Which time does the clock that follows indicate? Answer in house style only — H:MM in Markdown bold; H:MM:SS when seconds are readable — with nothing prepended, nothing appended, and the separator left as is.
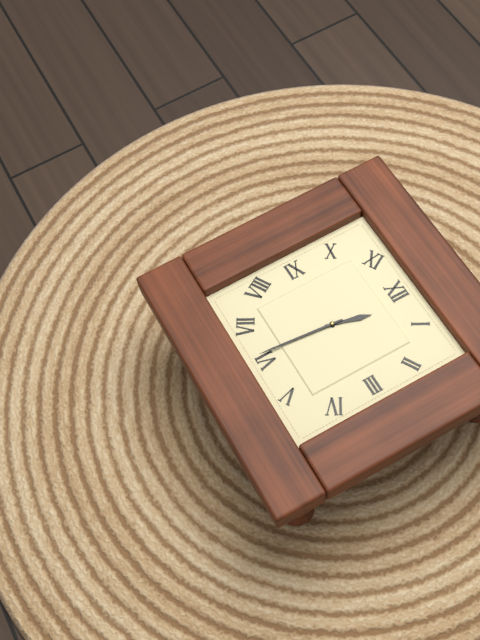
**12:31**
